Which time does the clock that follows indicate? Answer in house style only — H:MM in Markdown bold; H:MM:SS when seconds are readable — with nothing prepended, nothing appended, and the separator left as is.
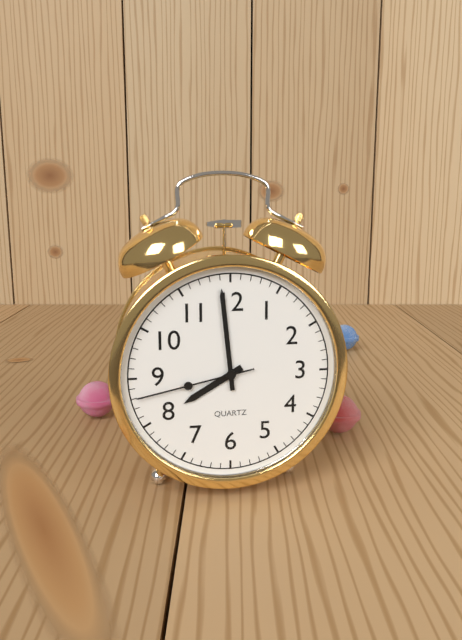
**7:59:43**
